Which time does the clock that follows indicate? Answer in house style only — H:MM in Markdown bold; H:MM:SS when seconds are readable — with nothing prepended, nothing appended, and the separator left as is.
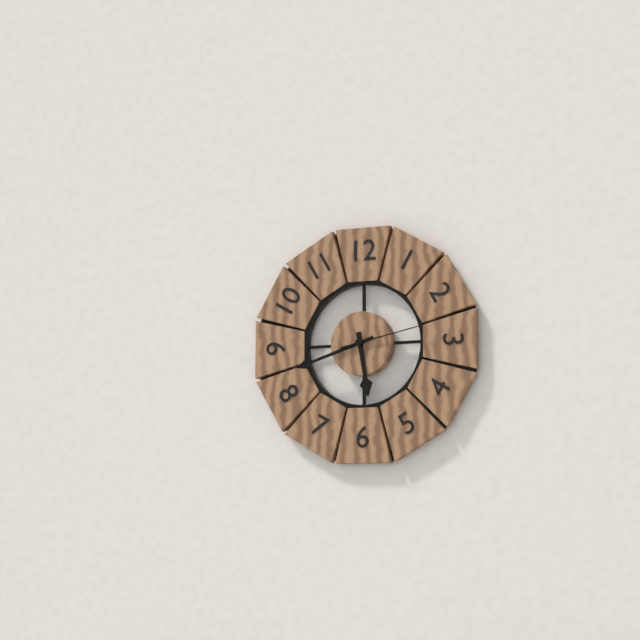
**5:42:13**
